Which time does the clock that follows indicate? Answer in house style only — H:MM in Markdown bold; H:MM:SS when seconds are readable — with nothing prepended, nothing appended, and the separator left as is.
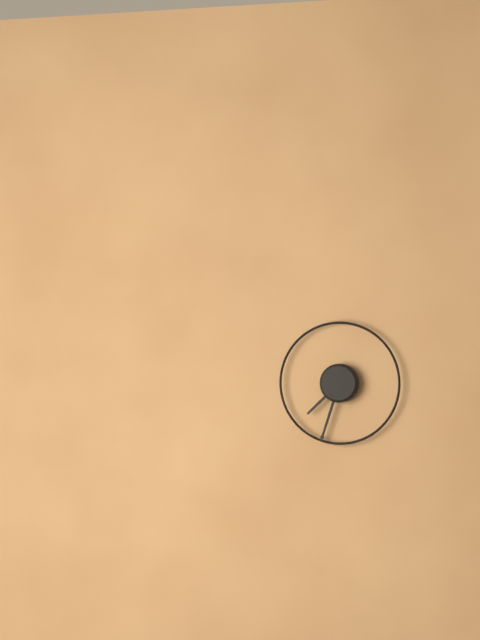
**7:33**
